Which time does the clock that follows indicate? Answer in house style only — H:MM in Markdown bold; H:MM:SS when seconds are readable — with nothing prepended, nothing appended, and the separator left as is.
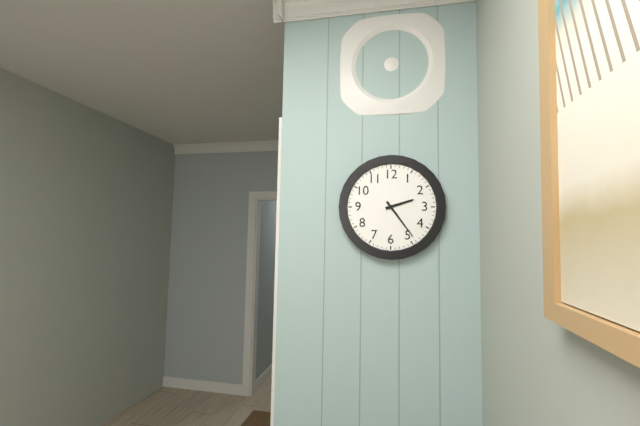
**2:24**
